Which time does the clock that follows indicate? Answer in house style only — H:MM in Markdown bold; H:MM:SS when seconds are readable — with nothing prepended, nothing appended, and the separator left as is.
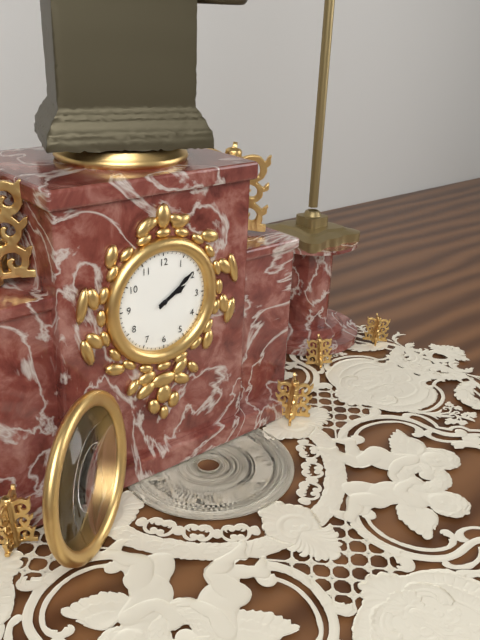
**2:09**
